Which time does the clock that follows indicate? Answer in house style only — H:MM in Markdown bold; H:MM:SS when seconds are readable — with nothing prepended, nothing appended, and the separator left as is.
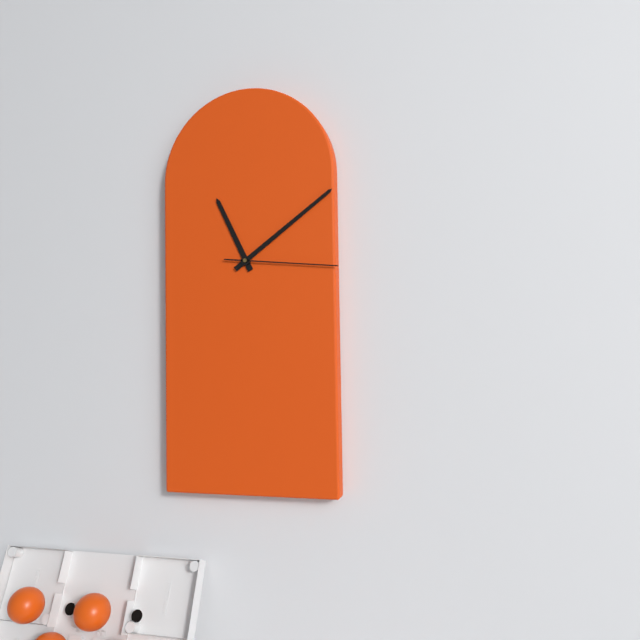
**11:09:16**
